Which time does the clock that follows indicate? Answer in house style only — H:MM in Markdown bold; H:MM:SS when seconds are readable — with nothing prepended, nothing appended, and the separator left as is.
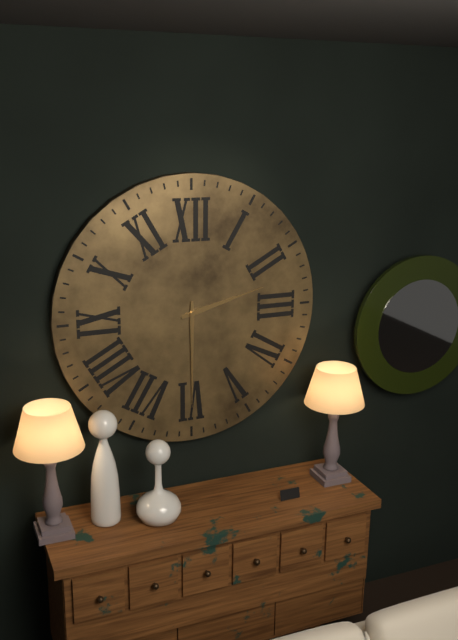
**2:30**
